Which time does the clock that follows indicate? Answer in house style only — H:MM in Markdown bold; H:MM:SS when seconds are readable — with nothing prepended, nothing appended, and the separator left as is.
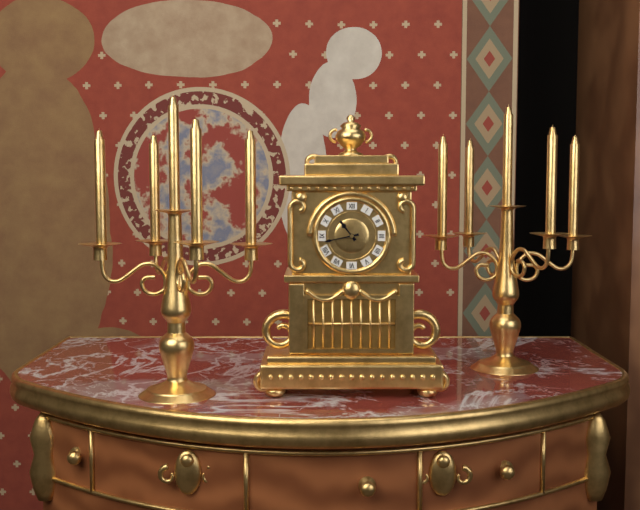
**10:43**
